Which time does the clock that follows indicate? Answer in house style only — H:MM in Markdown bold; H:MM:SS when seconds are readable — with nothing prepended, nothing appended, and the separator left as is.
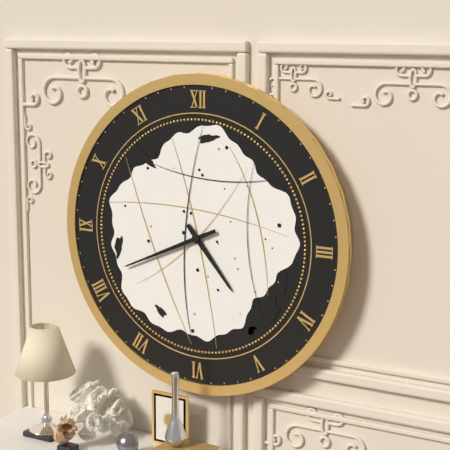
**4:41**
